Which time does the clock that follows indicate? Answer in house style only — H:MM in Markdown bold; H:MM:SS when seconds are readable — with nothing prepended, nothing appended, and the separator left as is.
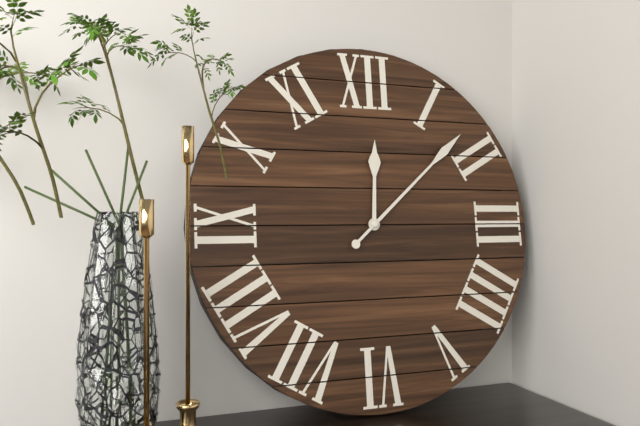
**12:08**
